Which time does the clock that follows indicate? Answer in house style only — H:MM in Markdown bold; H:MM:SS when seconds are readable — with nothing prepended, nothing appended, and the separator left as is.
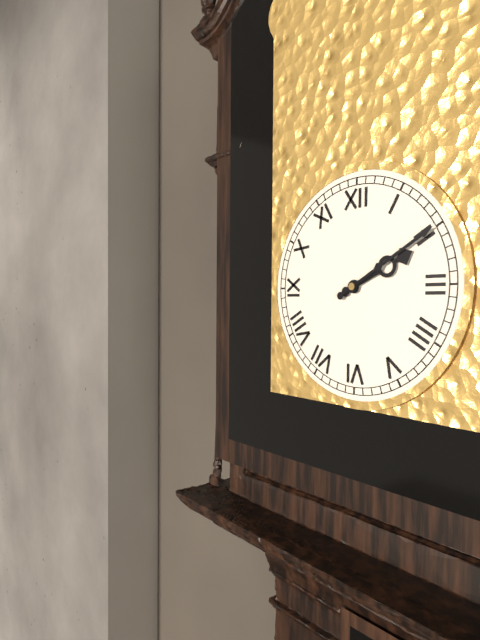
**2:10**
